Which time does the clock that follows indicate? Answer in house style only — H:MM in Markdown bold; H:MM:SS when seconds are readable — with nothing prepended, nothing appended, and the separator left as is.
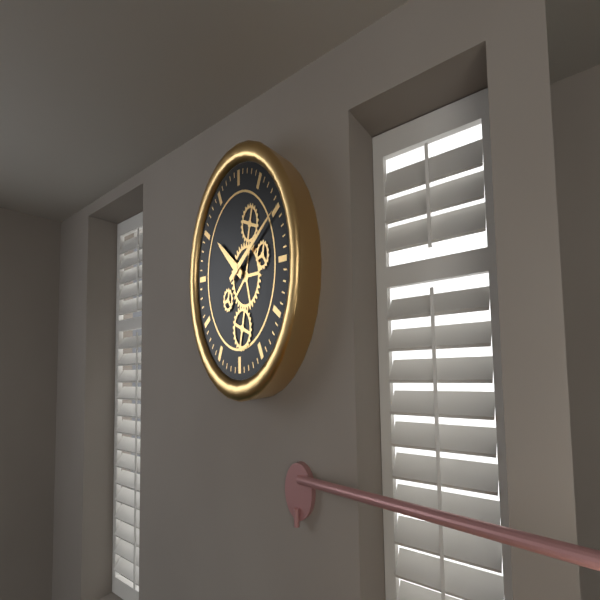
**10:10**
